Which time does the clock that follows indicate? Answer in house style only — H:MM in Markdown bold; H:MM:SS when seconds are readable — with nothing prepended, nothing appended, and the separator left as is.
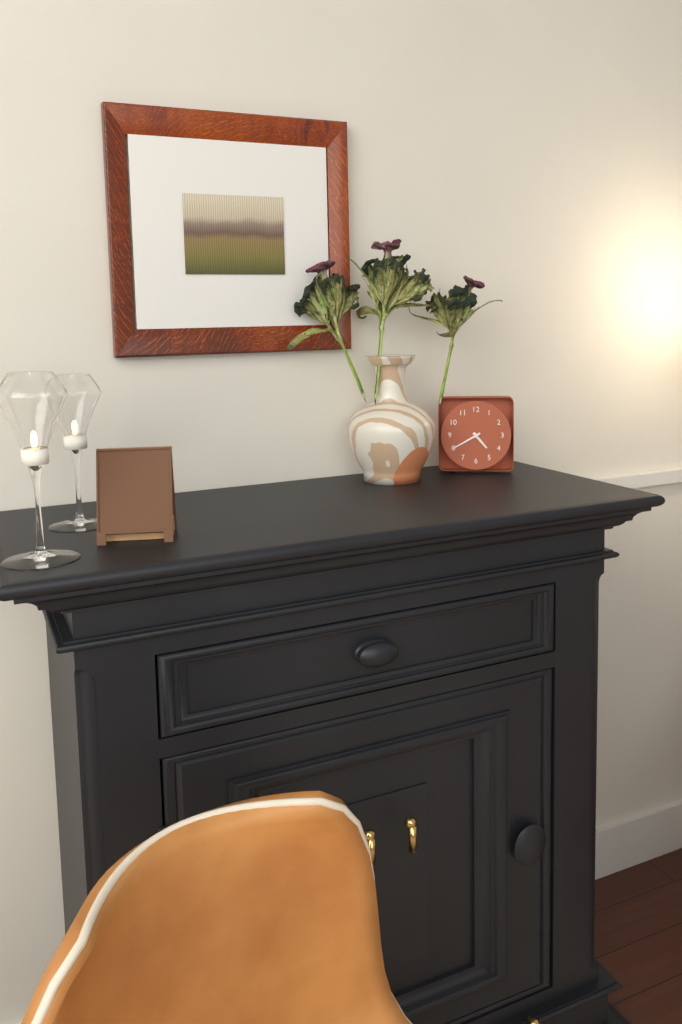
**4:40**
